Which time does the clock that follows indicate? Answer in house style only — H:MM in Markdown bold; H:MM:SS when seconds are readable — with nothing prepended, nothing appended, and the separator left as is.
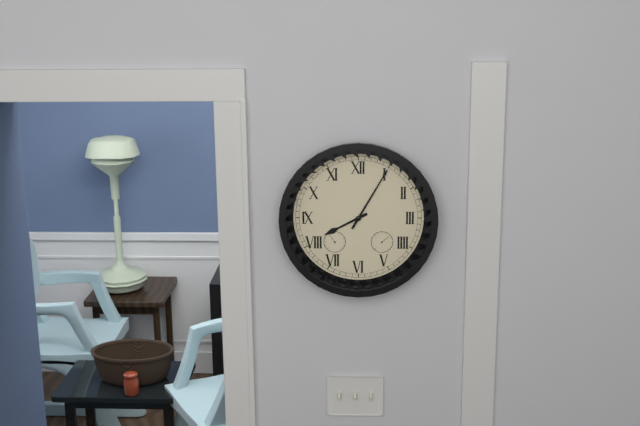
**8:05**
